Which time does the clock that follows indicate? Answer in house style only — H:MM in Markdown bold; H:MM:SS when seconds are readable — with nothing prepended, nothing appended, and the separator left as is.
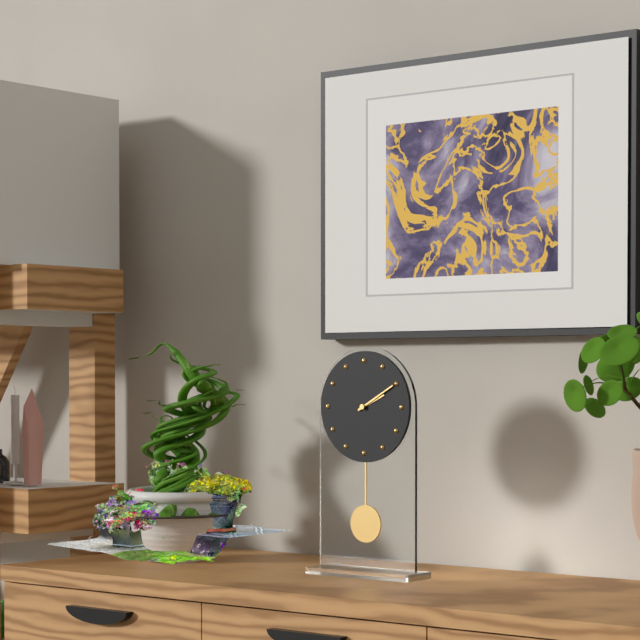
**2:10**
